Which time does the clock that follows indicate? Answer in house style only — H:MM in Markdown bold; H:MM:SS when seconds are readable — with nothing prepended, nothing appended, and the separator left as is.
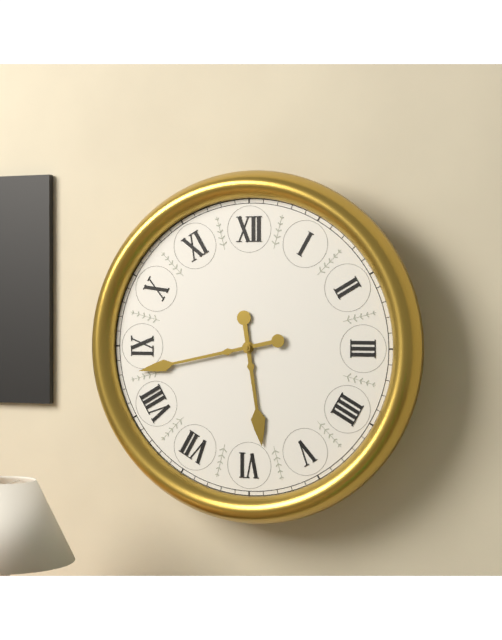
**5:43**
